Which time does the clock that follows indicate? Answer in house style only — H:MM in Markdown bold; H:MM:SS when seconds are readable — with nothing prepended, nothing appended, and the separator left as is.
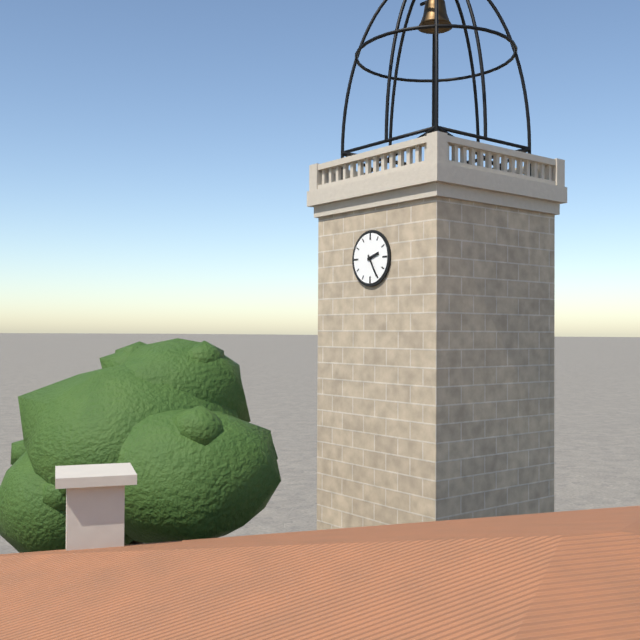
**2:25**
